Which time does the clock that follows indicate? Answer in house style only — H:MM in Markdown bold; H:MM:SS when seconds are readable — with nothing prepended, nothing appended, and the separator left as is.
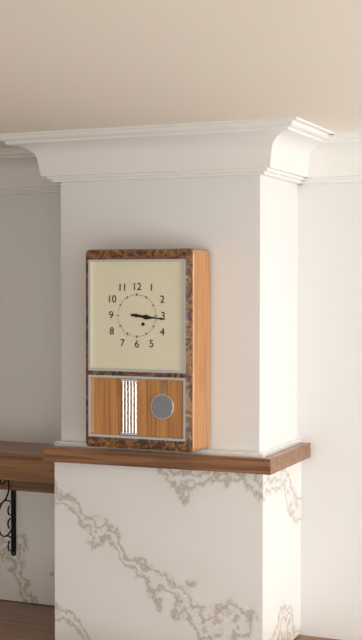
**3:16**
